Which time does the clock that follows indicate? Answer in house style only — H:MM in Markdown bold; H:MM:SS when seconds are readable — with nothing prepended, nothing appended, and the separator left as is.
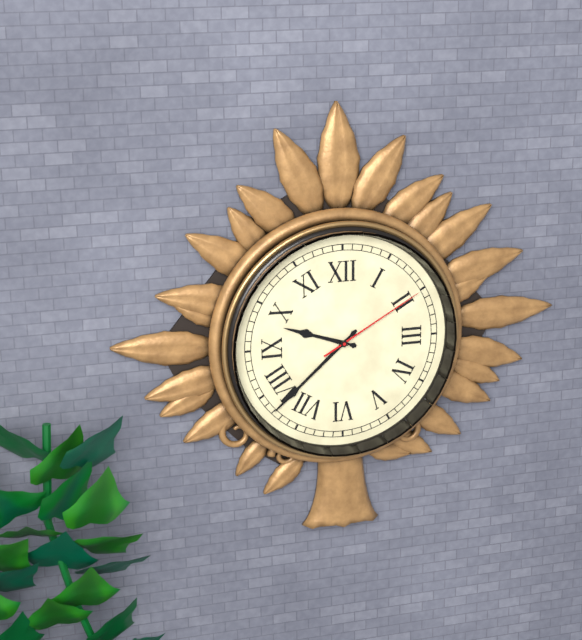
**9:38:10**
